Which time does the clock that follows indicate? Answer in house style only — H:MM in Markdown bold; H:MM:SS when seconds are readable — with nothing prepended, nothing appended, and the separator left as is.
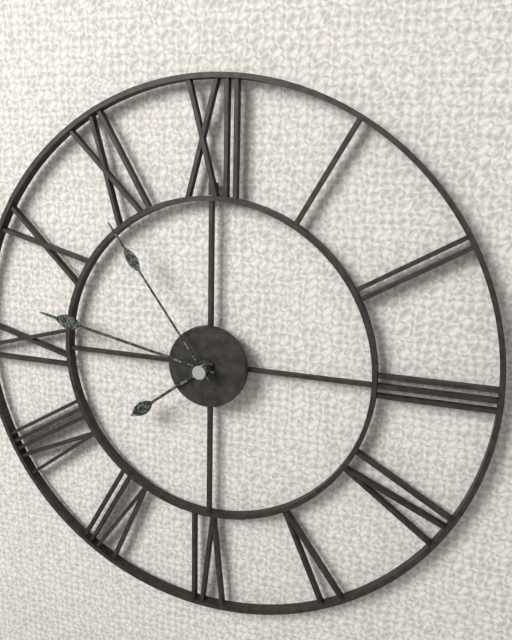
**7:47:54**
